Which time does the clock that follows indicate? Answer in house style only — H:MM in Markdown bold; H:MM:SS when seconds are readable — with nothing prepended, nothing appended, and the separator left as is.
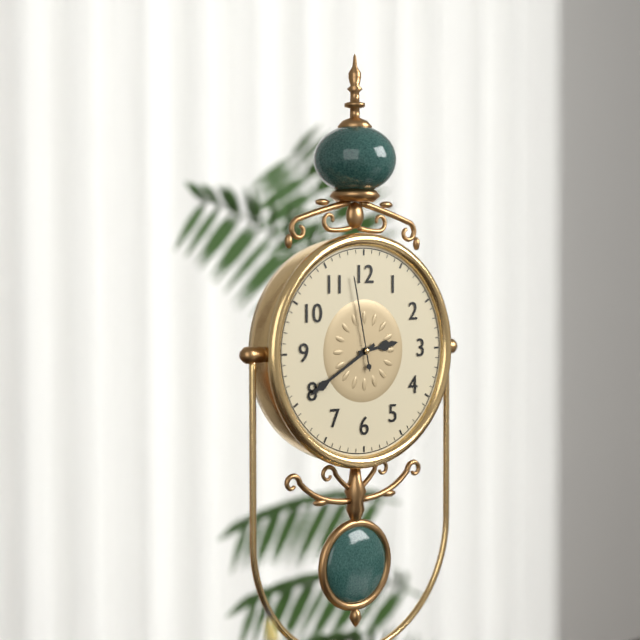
**2:40:58**
